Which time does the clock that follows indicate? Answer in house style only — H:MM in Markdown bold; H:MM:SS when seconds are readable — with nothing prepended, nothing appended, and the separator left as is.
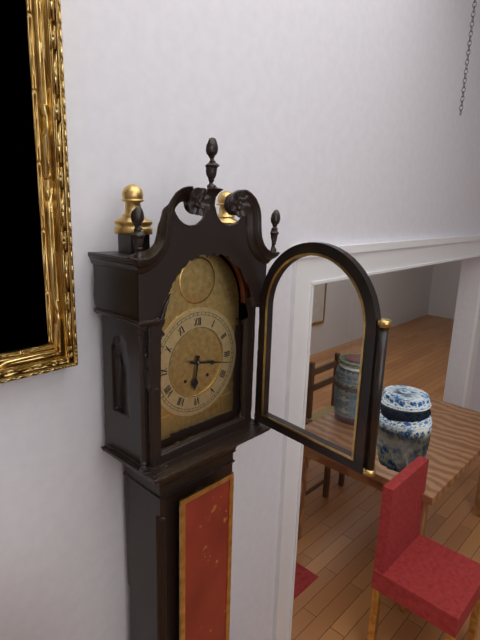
**6:17**
